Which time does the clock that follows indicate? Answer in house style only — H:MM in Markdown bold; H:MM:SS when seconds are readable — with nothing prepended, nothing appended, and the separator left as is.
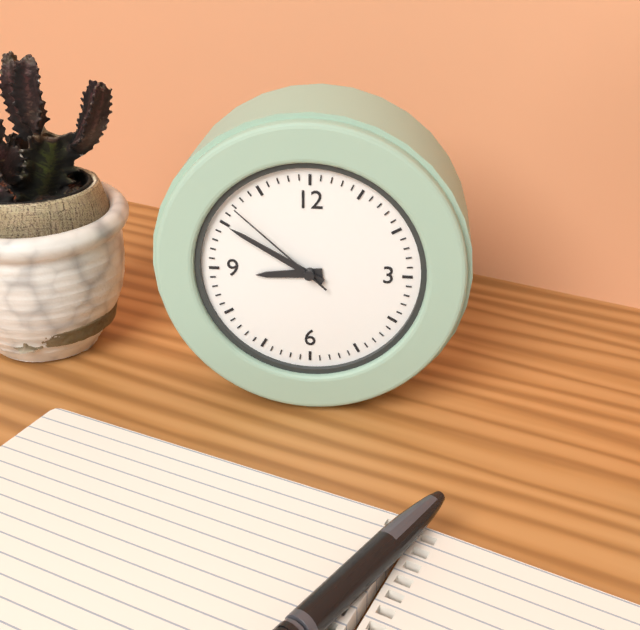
**8:50:52**
